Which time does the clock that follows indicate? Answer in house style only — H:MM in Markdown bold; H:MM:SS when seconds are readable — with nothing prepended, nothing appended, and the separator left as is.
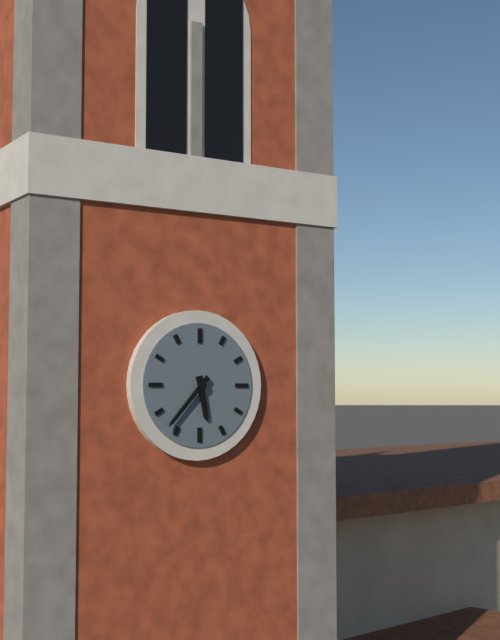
**5:37**
